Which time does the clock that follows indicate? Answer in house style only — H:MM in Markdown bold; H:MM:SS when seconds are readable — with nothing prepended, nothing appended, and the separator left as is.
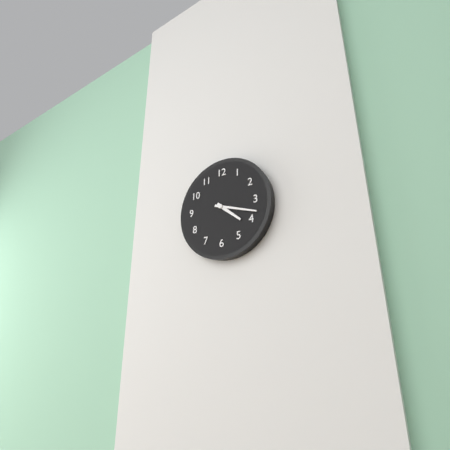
**4:18**
